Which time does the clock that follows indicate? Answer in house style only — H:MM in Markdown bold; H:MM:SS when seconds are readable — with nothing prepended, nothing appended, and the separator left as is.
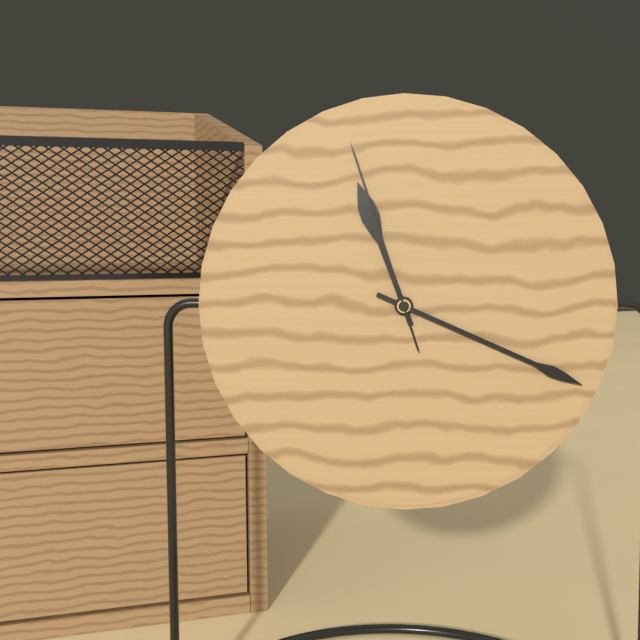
**11:19:57**
